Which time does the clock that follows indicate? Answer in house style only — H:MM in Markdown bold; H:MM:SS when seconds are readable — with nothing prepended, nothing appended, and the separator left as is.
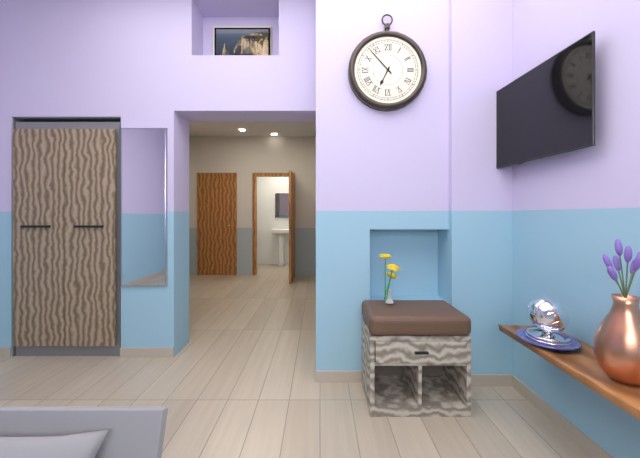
**6:53**
